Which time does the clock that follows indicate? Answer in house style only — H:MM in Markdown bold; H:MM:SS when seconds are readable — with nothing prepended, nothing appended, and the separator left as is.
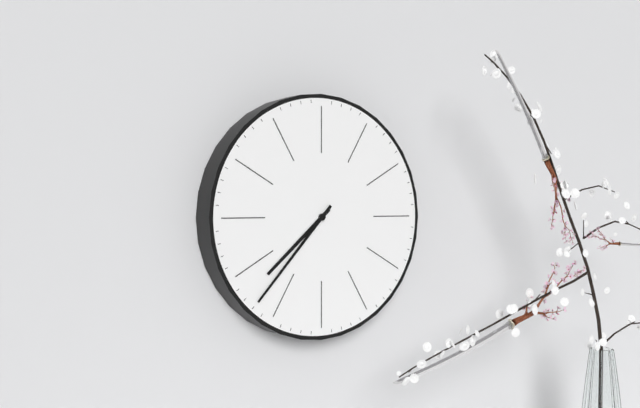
**7:37**
